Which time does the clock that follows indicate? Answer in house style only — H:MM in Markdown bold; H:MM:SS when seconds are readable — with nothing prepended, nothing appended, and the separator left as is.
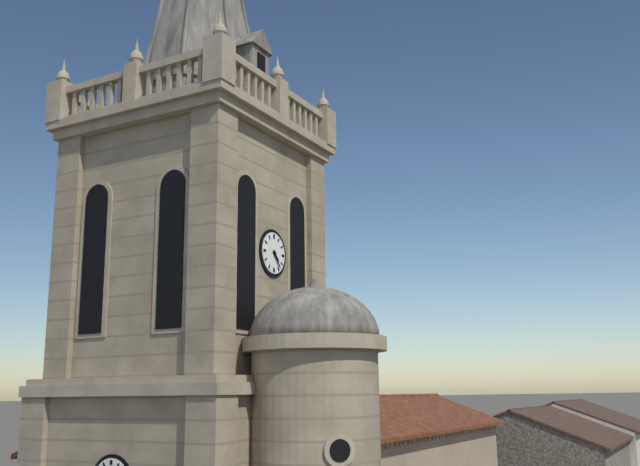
**4:24**
